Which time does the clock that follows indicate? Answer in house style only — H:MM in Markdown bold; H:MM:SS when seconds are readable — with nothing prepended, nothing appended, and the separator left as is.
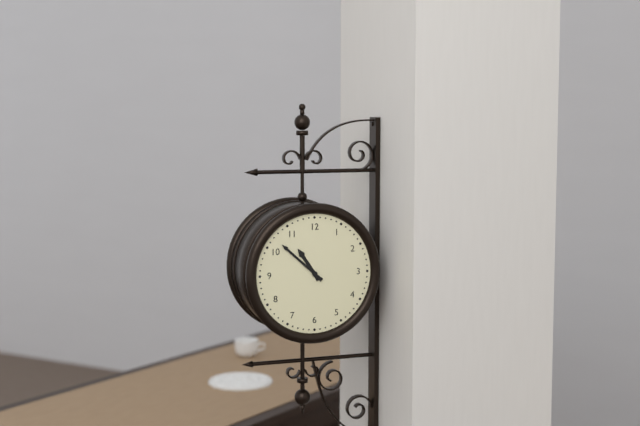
**10:52**
